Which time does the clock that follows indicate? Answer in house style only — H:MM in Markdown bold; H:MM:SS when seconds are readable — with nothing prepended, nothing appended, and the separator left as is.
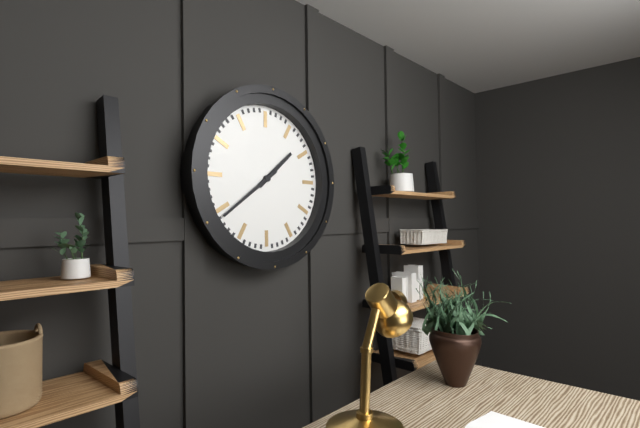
**1:39**
